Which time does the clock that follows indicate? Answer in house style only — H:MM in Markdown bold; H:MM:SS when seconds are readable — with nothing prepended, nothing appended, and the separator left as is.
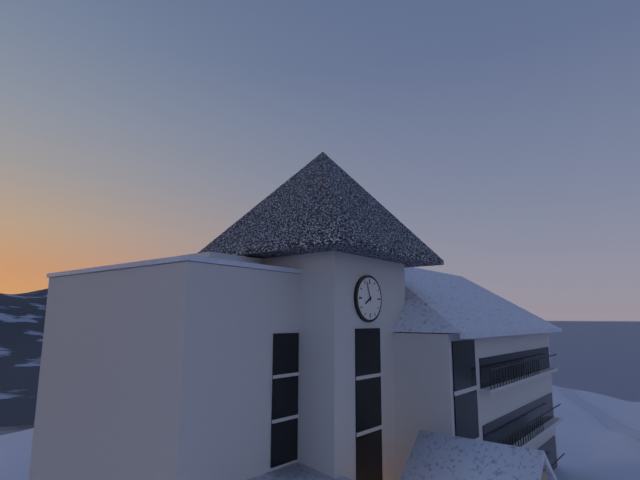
**7:57**
